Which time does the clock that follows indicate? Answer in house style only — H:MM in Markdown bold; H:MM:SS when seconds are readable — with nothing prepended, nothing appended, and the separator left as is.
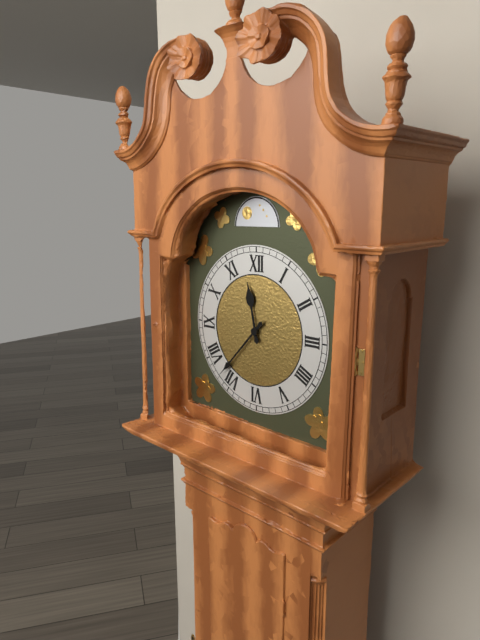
**11:37**
